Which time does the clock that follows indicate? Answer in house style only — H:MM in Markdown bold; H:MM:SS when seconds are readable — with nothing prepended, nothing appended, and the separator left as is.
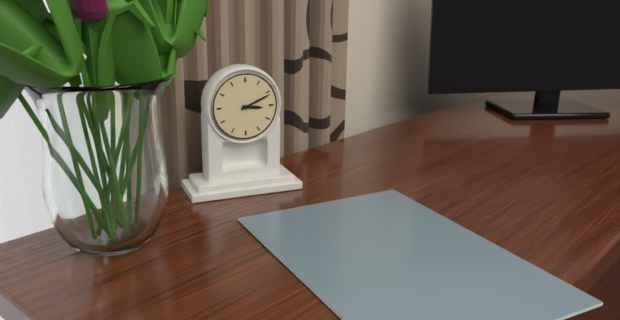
**3:11**
